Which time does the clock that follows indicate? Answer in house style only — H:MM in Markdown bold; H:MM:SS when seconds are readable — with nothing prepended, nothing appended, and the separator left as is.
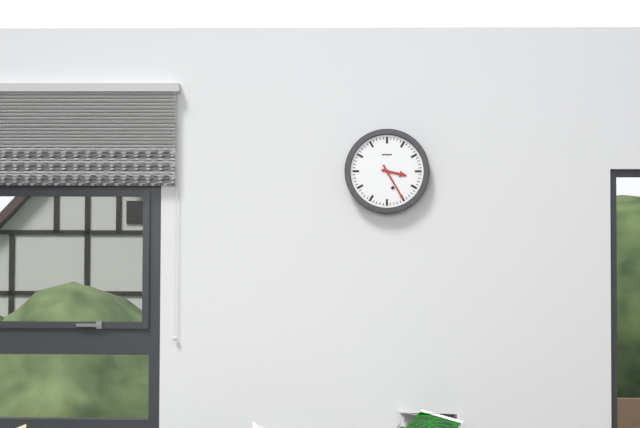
**3:25**
